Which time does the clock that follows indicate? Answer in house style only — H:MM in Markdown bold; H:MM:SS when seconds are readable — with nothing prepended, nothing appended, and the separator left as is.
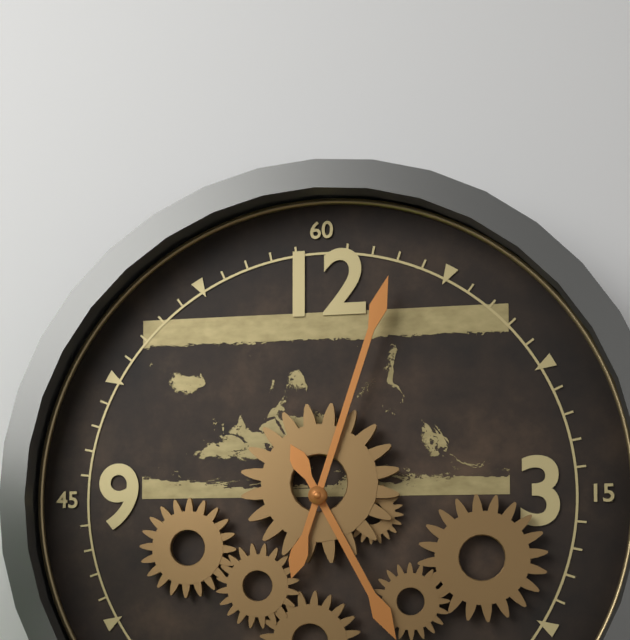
**5:03**
